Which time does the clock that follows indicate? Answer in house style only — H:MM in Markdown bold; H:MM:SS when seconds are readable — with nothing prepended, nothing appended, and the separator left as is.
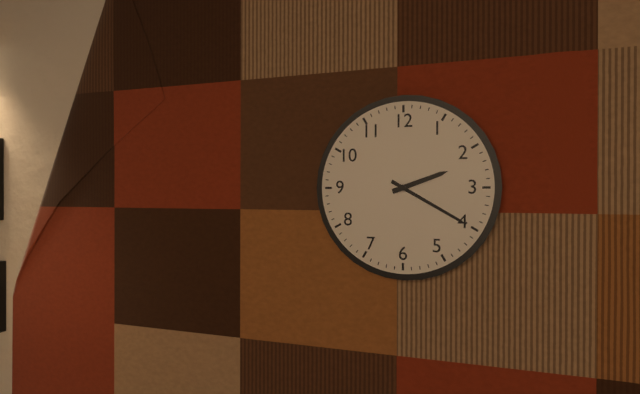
**2:20**
